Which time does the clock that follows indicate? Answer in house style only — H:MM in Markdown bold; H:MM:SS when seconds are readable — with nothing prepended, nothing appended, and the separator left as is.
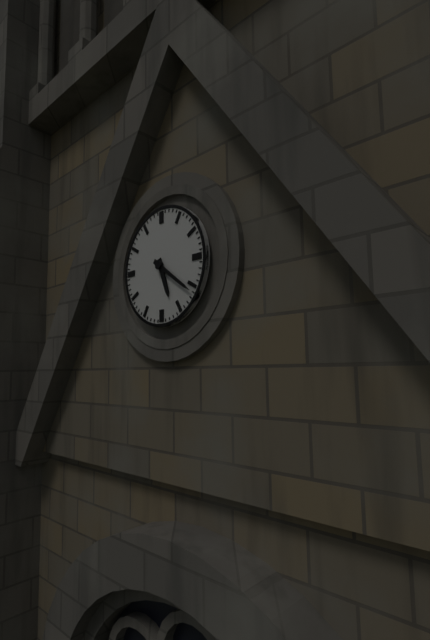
**5:21**
